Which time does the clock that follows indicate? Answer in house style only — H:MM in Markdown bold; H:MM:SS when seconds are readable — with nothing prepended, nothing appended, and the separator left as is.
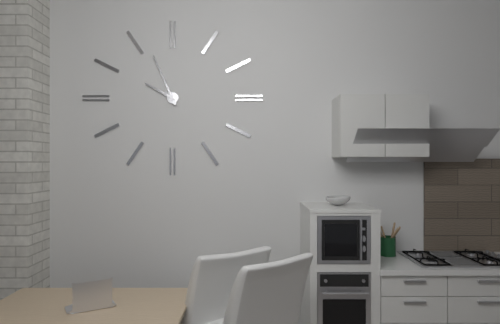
**9:56**
